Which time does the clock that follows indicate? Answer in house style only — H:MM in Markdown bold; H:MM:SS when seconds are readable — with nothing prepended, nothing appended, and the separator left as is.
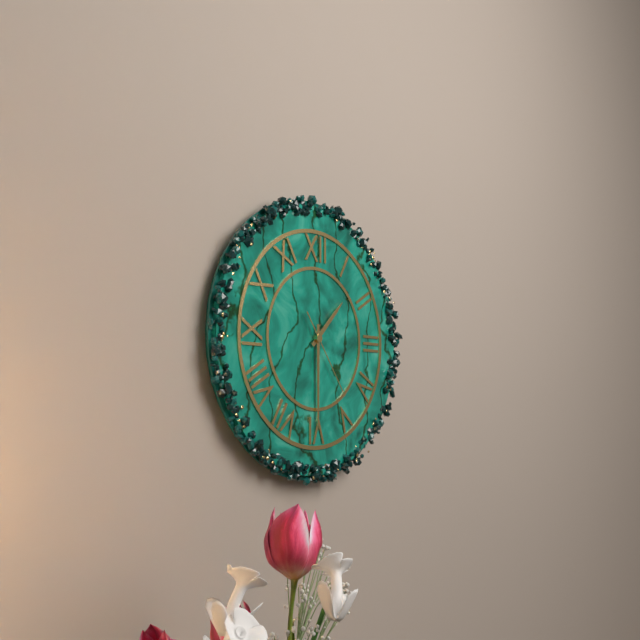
**1:30:24**
